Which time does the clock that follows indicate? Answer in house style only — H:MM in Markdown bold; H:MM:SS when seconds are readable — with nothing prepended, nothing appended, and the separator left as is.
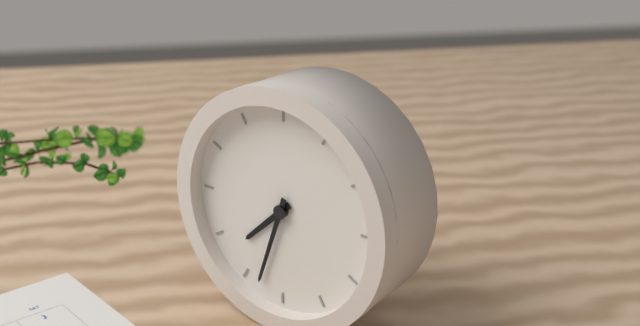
**7:33**
